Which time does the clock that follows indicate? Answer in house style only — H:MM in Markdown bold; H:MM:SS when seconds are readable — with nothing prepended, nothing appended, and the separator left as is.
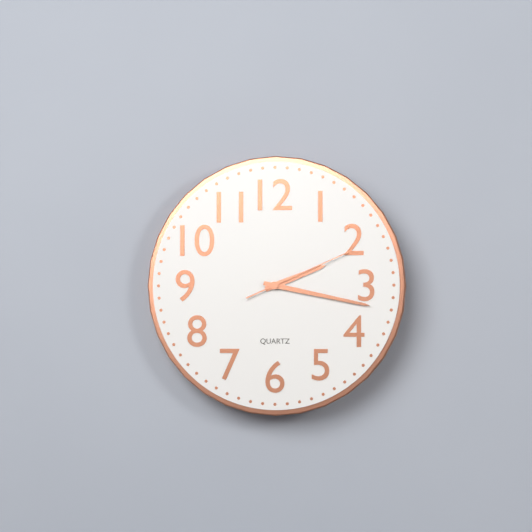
**2:17:11**
